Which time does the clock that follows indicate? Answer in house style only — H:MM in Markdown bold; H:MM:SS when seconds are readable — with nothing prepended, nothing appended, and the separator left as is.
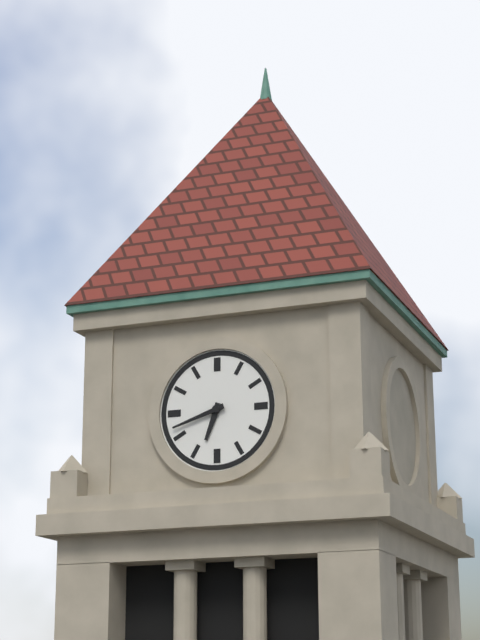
**6:42**
